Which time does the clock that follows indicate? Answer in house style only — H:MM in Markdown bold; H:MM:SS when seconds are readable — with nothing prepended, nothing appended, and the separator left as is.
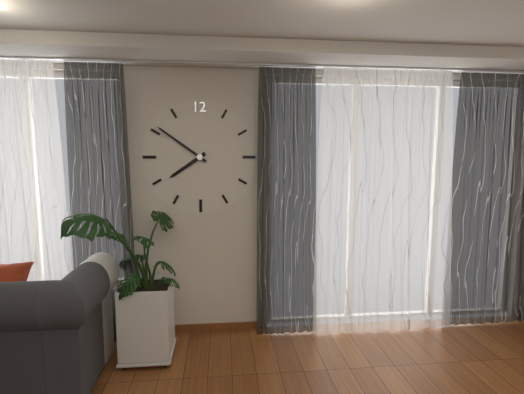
**7:51**
